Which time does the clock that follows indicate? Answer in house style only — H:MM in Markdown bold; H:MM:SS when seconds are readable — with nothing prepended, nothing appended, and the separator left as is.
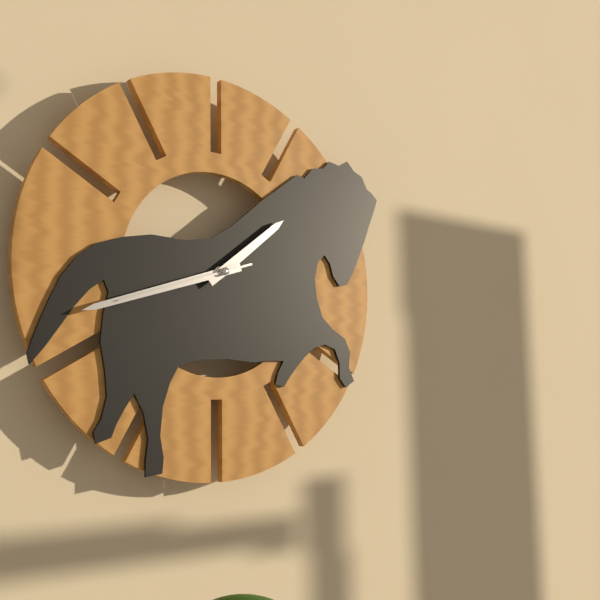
**1:42:42**
